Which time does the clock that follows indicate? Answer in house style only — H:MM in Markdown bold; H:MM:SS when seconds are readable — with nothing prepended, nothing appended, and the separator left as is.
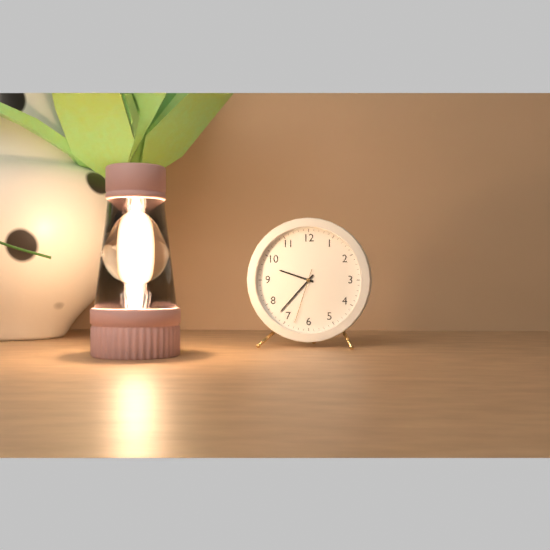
**9:37:33**
